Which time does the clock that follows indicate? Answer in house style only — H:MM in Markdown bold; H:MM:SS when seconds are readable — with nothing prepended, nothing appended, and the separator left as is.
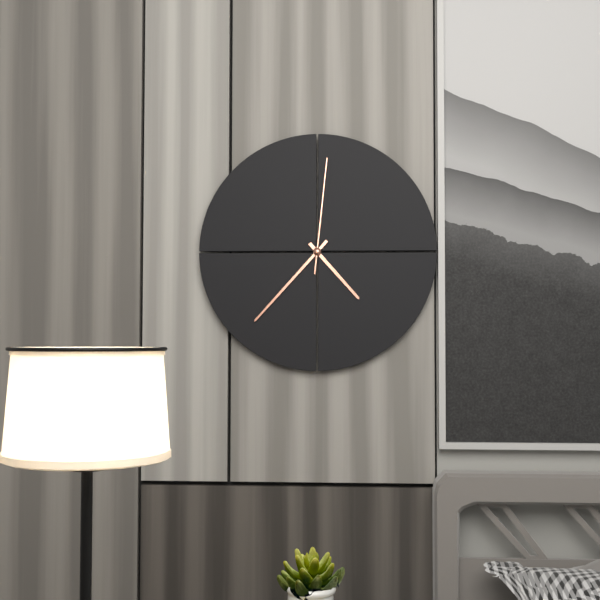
**4:37:01**
